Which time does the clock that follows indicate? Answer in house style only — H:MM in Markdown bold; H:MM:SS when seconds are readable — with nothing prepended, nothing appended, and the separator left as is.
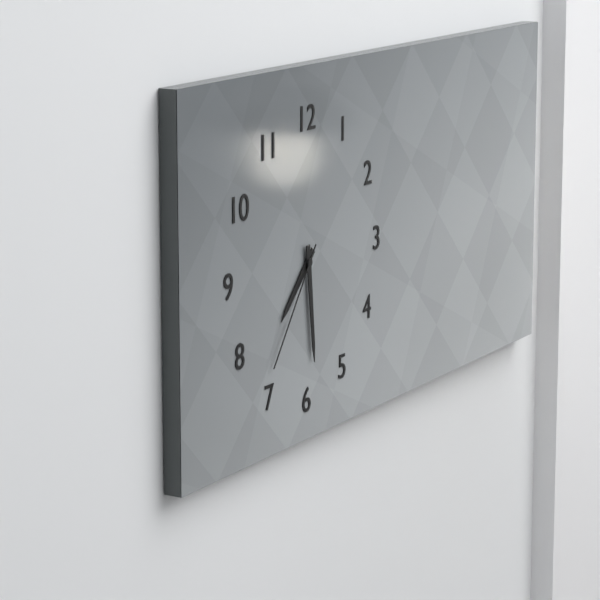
**7:29:36**
